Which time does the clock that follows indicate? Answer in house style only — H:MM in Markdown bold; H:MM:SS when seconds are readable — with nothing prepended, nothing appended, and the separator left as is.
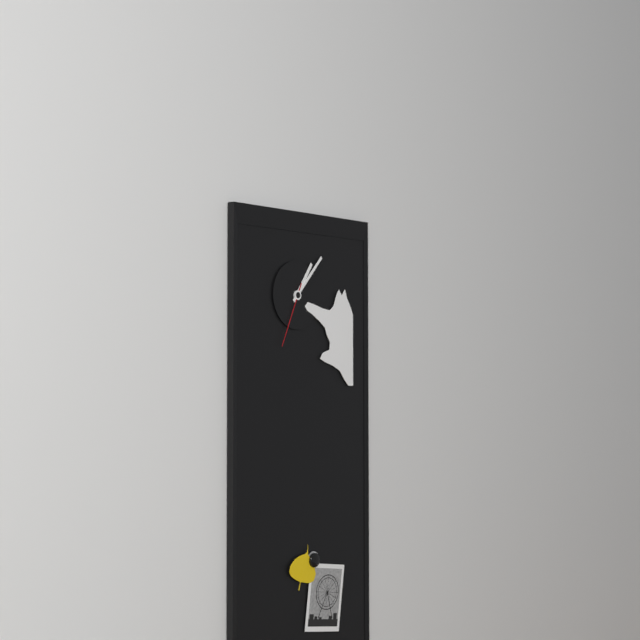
**1:07:34**
